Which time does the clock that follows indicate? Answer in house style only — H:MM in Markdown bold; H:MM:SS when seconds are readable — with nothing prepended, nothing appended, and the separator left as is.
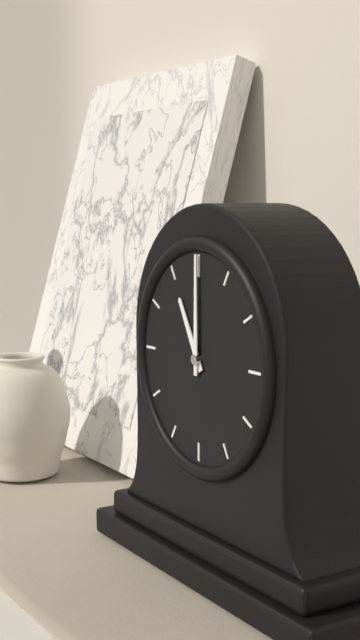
**11:00**
